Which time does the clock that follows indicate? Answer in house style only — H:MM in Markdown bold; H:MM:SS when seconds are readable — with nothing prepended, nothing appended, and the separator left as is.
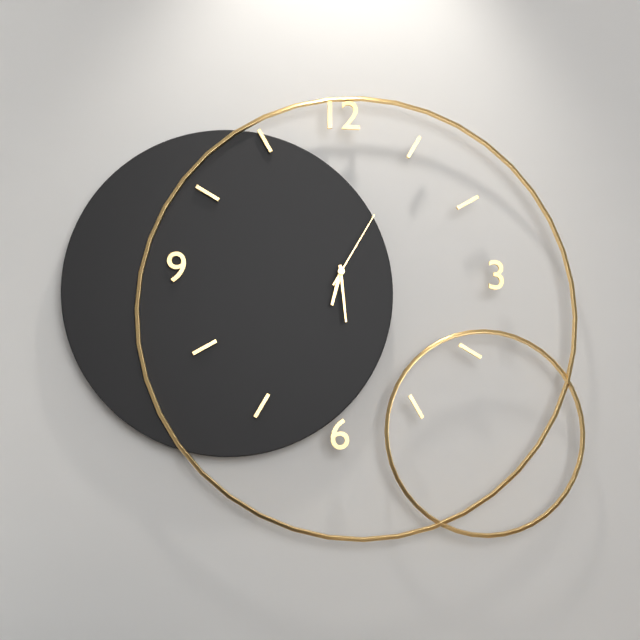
**6:29:05**
